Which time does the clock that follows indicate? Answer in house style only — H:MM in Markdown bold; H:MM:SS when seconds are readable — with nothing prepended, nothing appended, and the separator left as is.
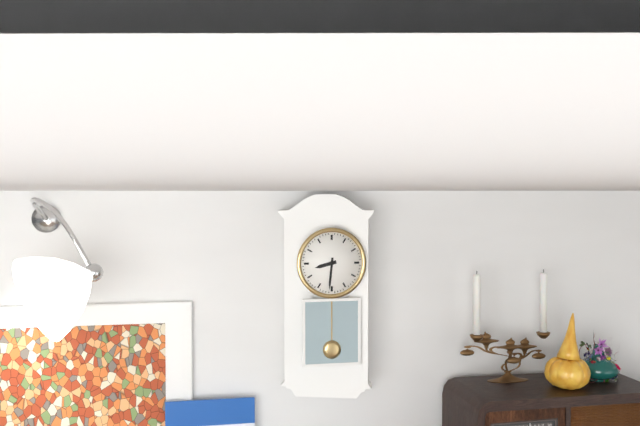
**8:31**
